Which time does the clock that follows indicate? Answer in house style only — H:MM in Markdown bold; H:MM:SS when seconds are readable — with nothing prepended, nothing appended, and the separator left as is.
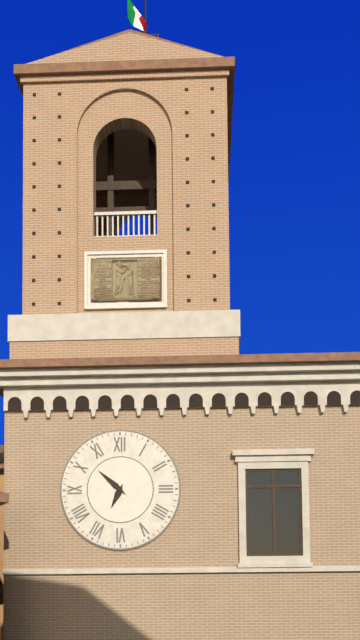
**6:52**
